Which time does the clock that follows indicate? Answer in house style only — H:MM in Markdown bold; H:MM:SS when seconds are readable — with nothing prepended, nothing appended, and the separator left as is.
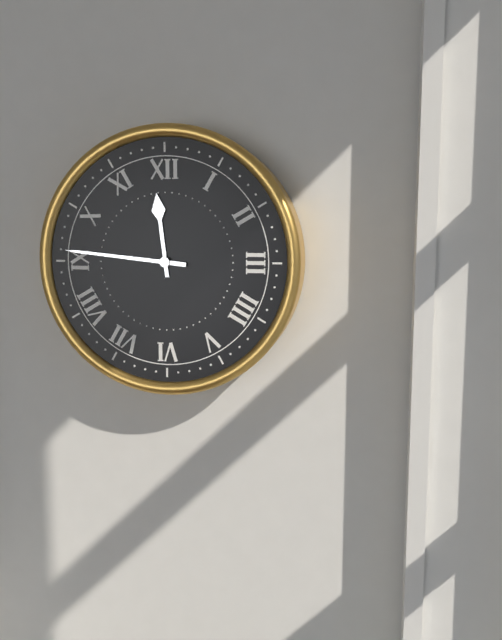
**11:46**
